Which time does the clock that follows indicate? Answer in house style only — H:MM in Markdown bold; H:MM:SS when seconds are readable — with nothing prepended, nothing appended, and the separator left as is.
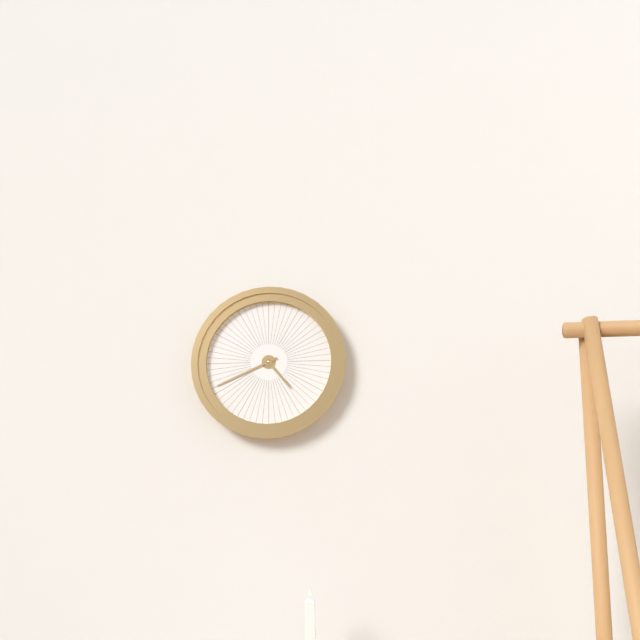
**4:41**
